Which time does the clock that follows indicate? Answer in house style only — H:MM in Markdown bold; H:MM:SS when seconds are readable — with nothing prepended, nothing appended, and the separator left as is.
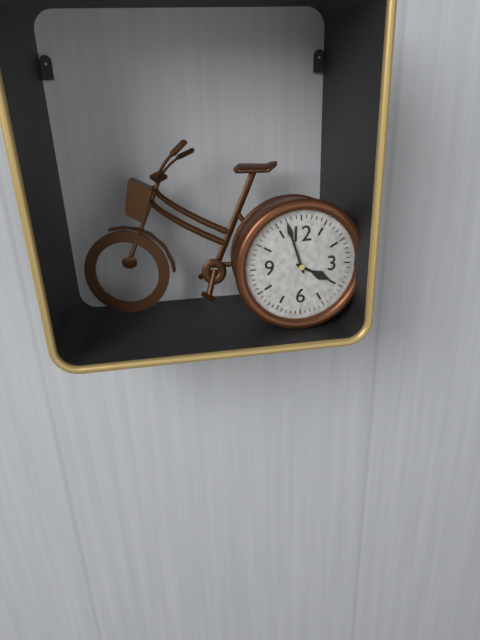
**3:57**
